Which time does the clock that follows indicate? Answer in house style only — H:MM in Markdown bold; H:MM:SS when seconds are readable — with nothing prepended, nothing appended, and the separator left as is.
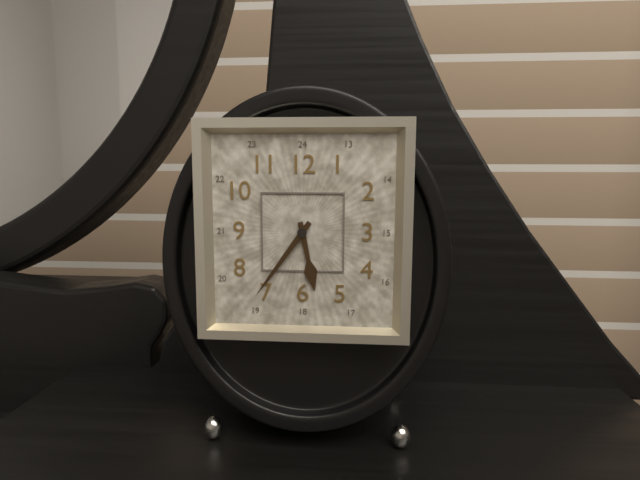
**5:36**
